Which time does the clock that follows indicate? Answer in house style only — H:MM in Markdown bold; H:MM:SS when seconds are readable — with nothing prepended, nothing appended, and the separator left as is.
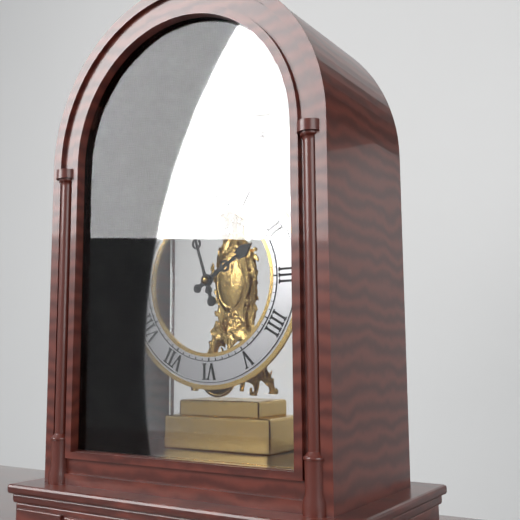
**1:57**
